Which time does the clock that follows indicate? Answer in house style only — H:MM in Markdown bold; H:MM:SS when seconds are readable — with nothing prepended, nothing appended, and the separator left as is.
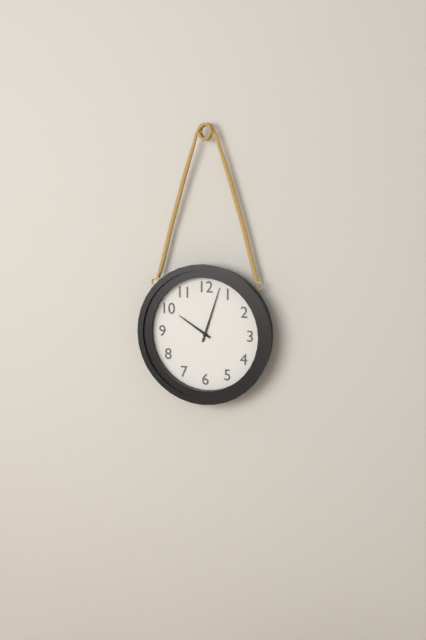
**10:03**
